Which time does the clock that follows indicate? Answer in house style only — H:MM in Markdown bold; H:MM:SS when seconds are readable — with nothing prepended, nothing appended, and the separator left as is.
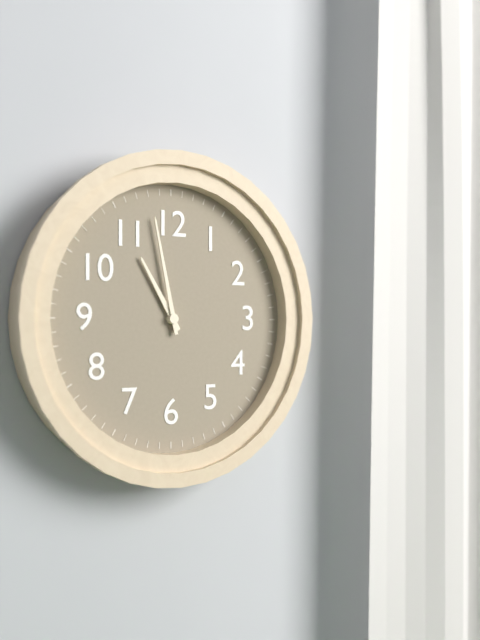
**10:58**
